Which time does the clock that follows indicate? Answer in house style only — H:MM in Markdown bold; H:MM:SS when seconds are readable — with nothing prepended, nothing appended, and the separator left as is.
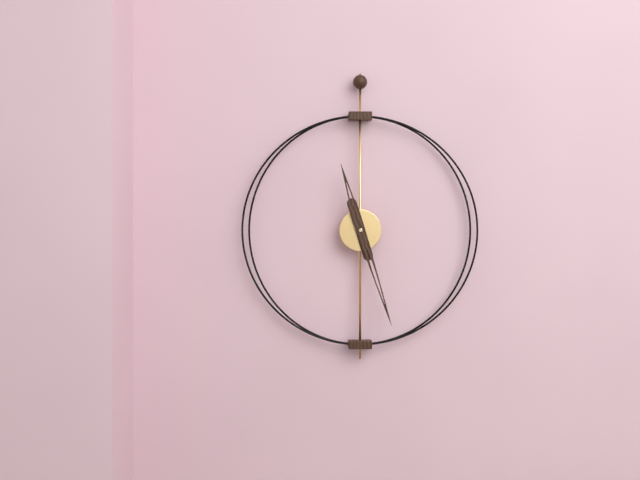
**11:27**
